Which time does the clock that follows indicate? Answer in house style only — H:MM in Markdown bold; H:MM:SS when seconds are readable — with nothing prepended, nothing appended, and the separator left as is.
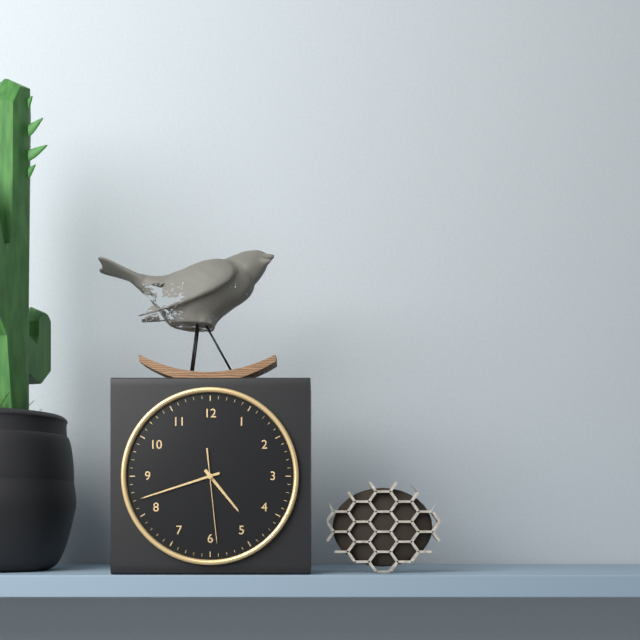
**4:42:29**
